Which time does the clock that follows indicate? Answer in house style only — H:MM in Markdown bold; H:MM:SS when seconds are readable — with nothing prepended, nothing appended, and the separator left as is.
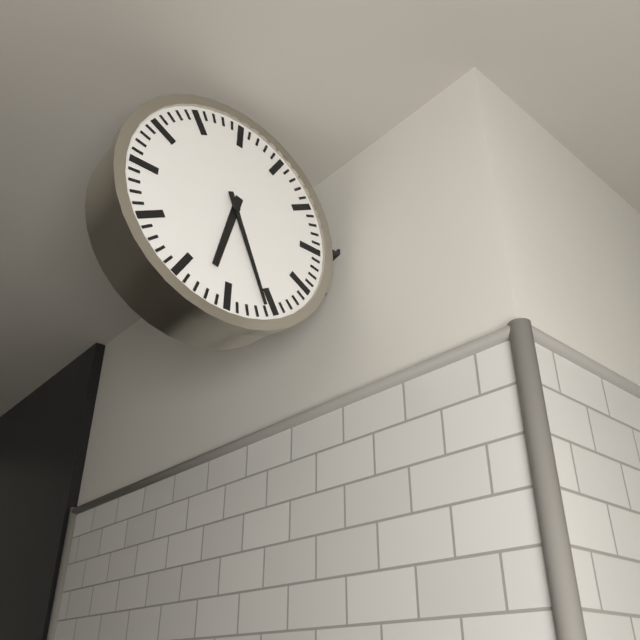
**6:26**
